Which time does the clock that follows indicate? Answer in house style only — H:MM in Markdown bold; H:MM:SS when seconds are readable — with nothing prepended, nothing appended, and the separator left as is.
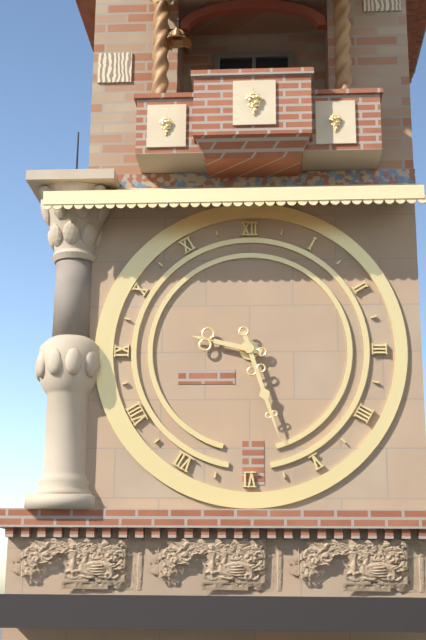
**9:27**
